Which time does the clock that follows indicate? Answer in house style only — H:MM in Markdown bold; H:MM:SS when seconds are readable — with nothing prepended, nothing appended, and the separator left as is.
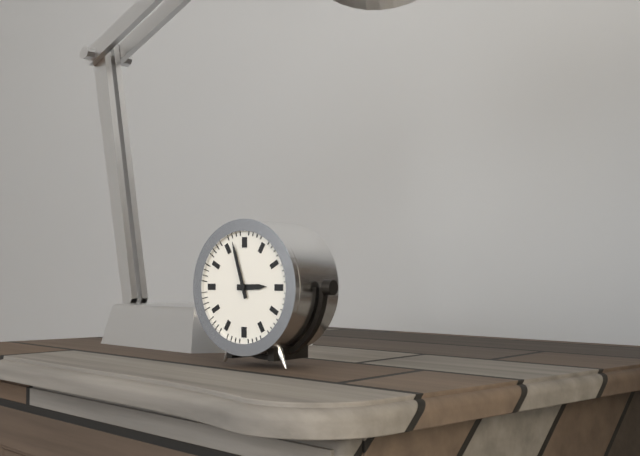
**2:57**
